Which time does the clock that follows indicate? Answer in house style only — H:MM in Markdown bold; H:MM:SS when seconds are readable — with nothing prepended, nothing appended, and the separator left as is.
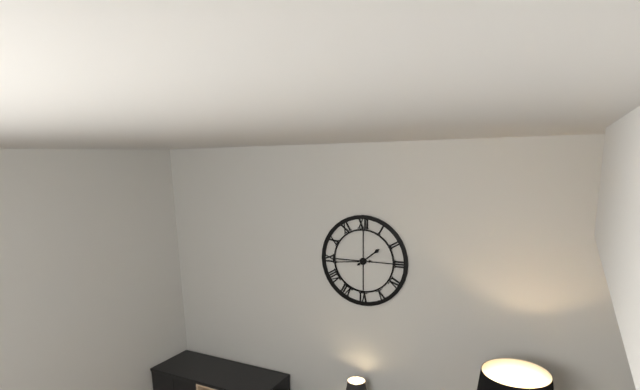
**1:44**
